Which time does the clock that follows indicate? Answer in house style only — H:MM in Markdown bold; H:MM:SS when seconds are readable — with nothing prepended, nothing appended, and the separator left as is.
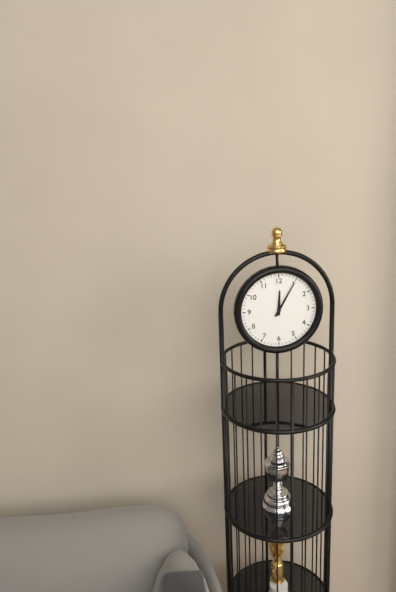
**12:05**
